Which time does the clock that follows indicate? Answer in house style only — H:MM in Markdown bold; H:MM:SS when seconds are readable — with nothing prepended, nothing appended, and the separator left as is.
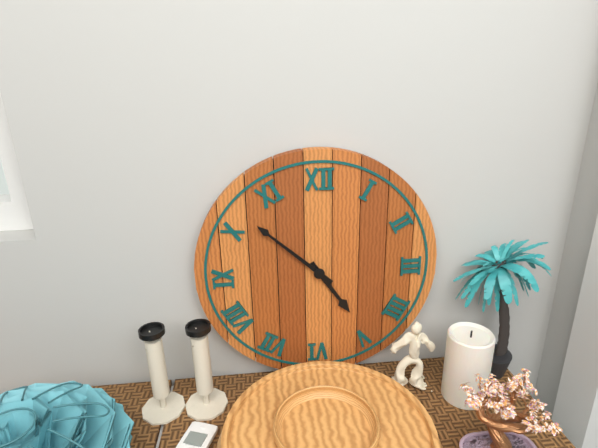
**4:52**
